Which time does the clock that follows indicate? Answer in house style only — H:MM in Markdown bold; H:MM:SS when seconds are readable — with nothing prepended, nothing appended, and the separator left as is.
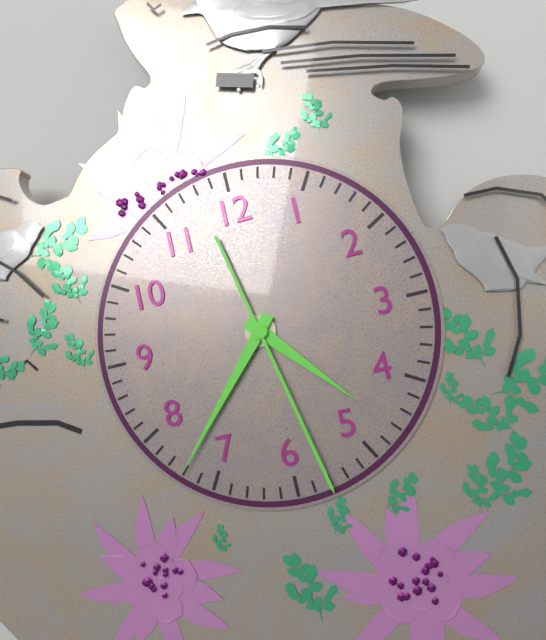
**4:37:28**
